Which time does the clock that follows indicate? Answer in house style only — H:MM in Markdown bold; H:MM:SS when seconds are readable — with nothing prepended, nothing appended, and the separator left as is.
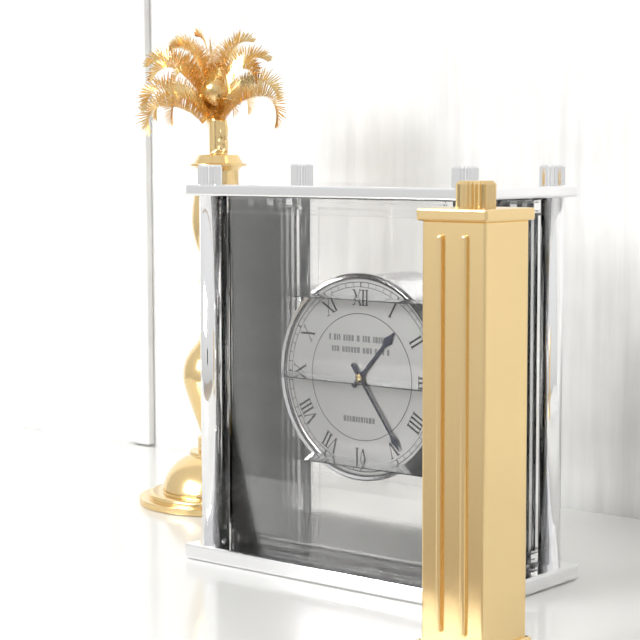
**1:24**
